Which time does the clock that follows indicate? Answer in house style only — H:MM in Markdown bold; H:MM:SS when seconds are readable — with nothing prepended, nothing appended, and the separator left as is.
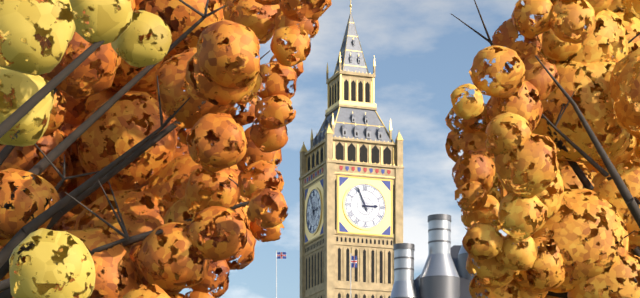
**2:56**
